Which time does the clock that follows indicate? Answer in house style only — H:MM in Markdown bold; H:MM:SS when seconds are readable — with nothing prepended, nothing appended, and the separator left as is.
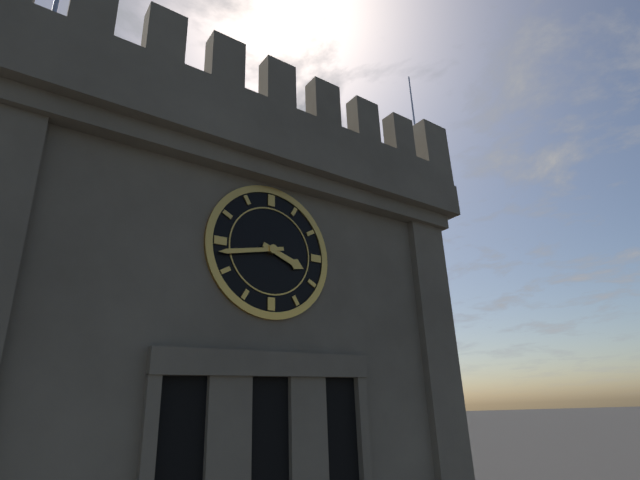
**3:43**
